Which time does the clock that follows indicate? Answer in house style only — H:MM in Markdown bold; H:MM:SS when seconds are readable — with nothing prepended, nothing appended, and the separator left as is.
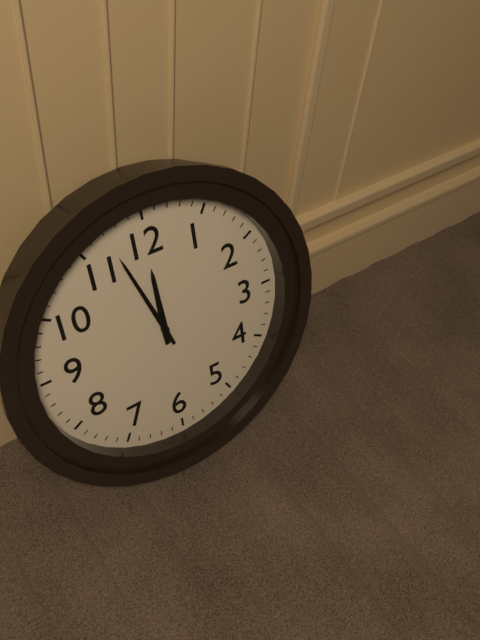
**11:57**
